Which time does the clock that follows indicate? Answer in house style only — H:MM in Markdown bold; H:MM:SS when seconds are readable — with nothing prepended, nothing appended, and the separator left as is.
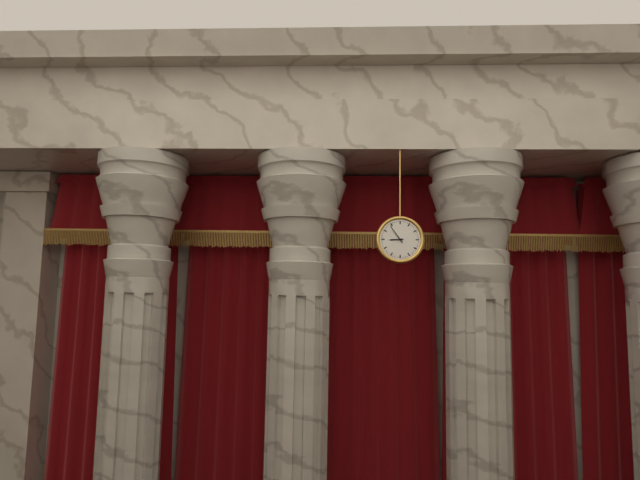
**8:54**
